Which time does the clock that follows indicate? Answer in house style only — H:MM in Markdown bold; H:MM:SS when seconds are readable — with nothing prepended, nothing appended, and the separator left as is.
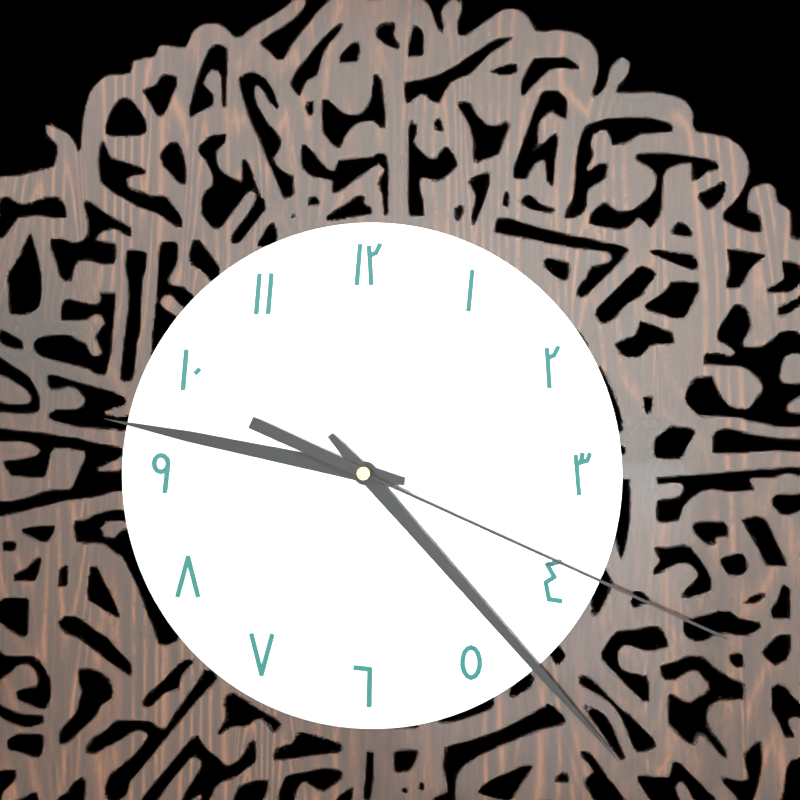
**9:23:19**
